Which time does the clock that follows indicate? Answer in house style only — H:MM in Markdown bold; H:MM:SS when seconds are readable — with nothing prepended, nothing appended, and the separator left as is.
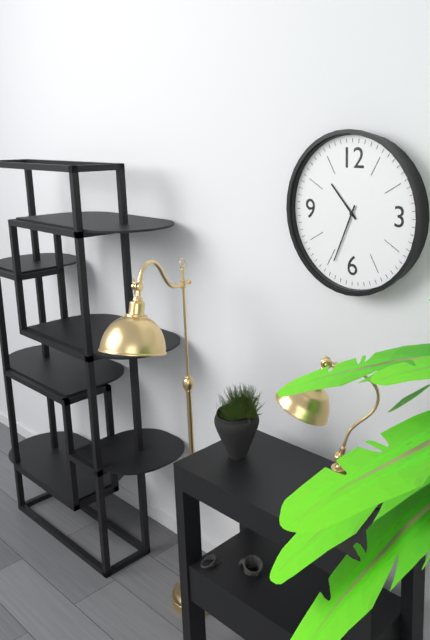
**10:34**
